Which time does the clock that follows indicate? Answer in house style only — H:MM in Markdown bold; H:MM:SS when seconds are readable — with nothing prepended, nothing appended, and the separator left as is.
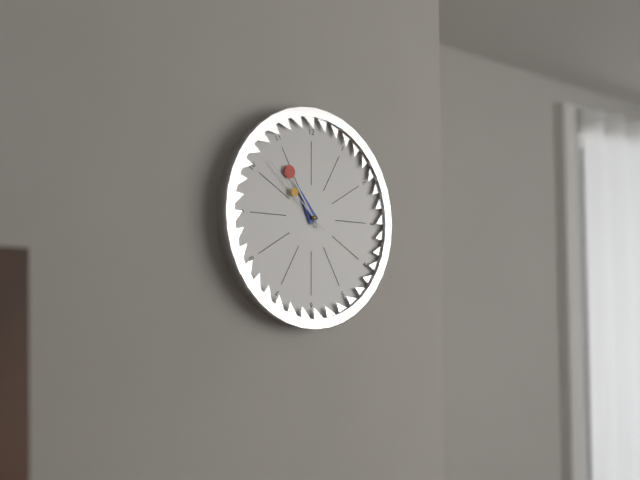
**10:54:52**
